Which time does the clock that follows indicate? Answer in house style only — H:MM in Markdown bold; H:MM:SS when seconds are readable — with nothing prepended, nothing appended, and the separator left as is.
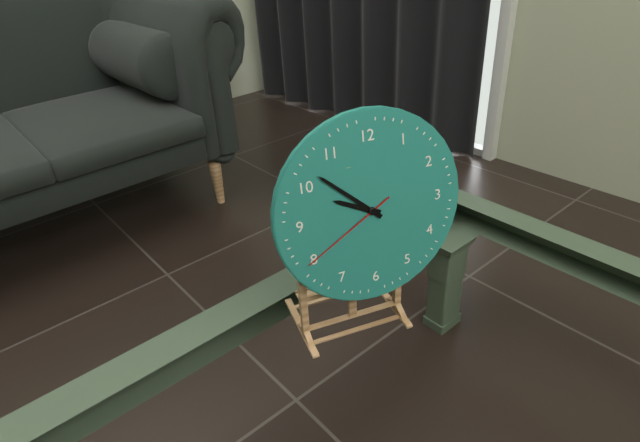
**9:52:40**
